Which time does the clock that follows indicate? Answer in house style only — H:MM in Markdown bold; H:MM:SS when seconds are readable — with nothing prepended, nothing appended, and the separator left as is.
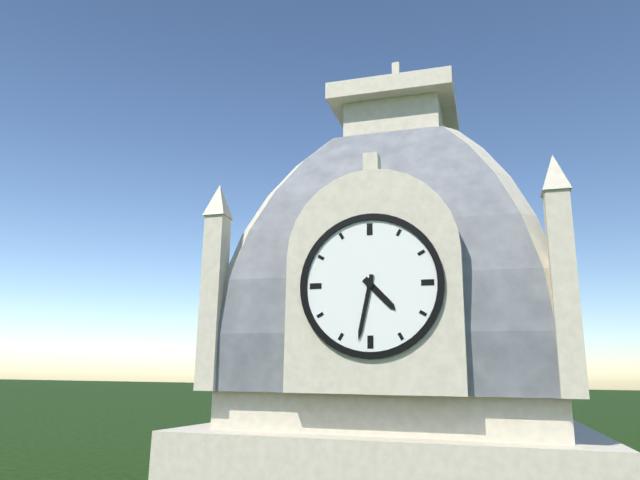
**4:32**
